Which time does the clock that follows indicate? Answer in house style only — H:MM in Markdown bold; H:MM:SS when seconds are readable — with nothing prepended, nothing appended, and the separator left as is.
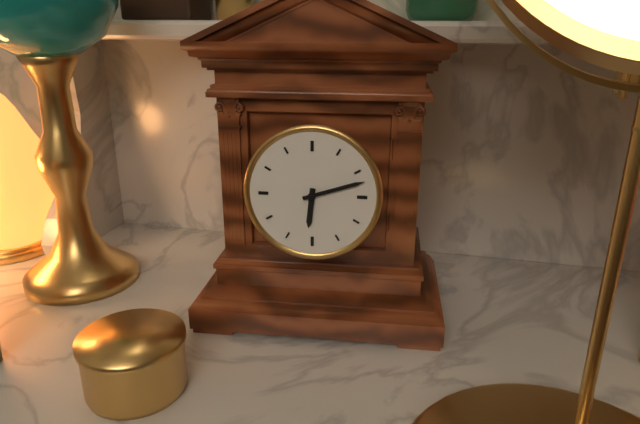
**6:12**
